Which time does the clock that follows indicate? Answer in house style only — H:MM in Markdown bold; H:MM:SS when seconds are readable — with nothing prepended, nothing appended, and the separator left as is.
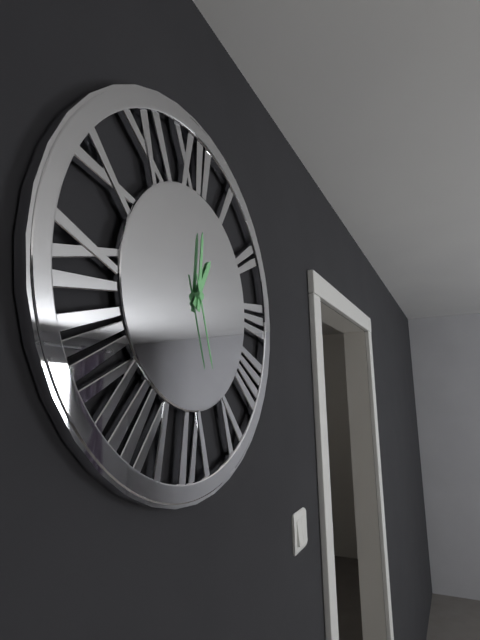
**1:01:27**
